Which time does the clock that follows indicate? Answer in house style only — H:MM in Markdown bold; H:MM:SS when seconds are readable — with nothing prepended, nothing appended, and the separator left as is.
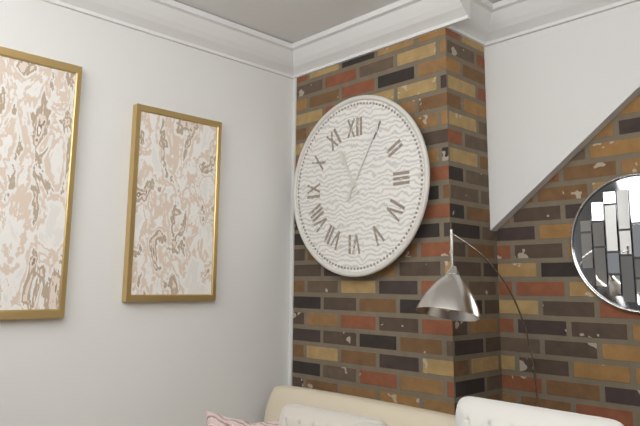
**11:05**
